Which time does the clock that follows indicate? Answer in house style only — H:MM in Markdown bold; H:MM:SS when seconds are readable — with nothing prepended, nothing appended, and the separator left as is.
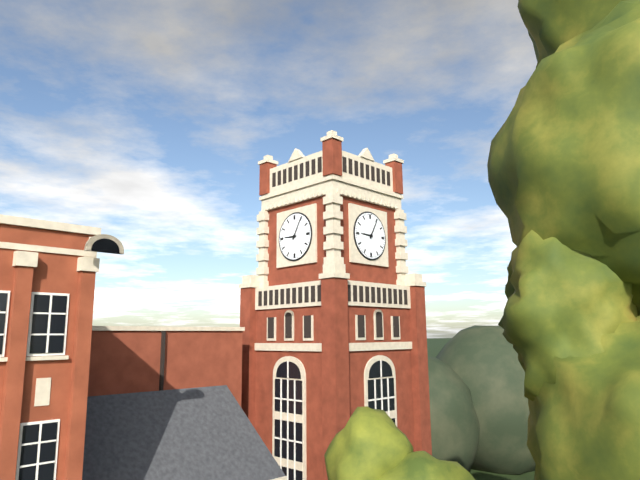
**9:05**
